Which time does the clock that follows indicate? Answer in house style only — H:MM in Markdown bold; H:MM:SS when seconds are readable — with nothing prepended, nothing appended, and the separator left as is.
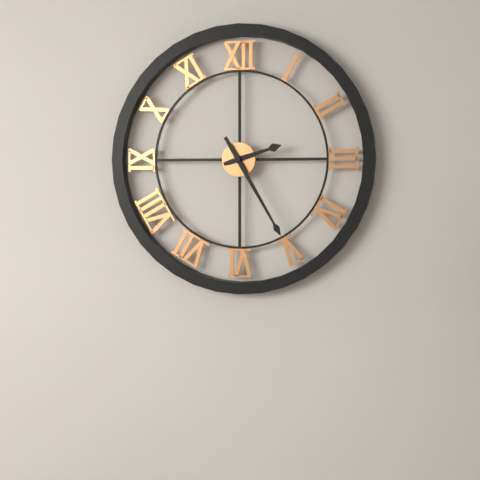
**2:25**
